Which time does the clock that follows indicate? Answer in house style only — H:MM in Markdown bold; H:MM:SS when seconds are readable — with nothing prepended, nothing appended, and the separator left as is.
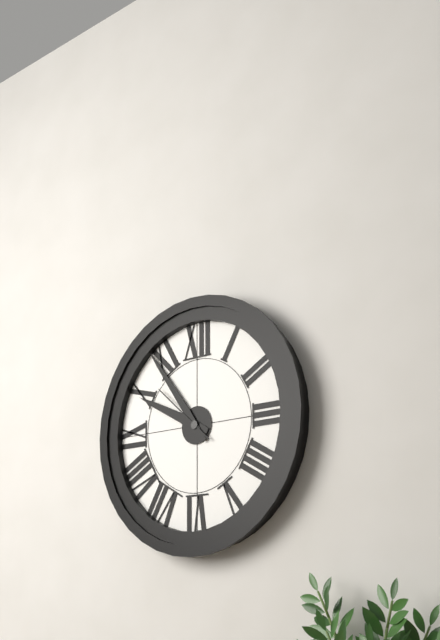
**9:54:52**
